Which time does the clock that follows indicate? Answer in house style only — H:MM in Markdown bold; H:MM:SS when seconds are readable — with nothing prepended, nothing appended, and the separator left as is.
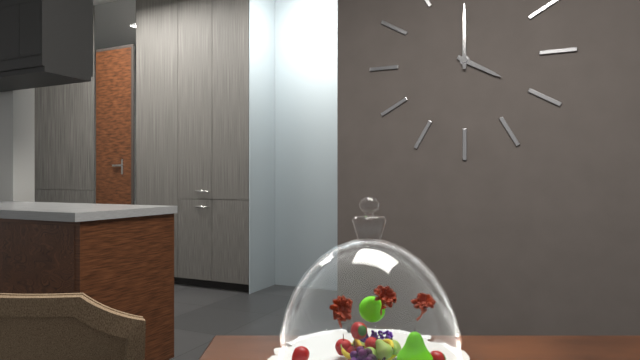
**4:00**
